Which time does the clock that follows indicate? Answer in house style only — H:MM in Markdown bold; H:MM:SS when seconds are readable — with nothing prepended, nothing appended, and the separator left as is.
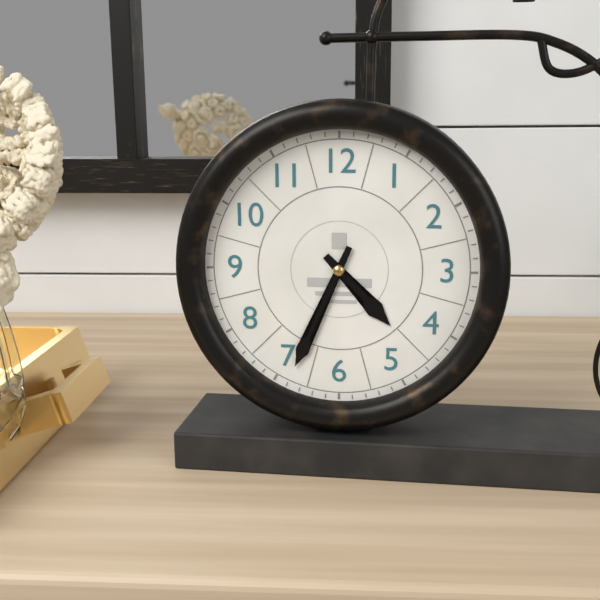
**4:34**
